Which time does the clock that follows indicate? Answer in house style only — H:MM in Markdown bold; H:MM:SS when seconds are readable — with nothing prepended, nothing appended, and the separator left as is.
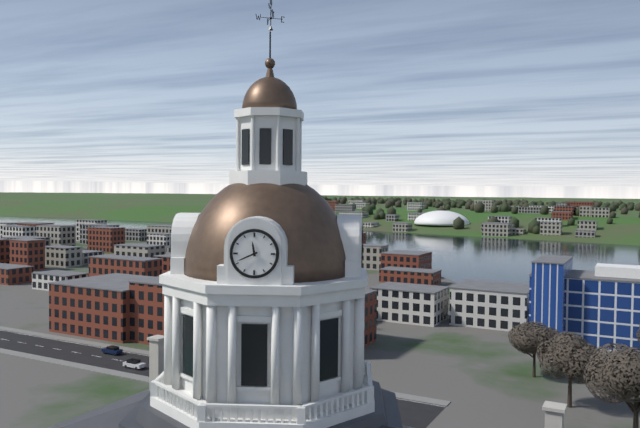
**11:41**
